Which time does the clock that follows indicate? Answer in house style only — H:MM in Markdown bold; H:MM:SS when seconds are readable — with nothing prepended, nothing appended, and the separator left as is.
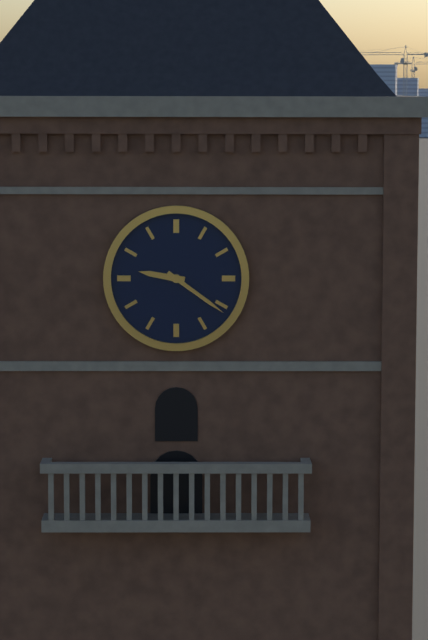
**9:21**
